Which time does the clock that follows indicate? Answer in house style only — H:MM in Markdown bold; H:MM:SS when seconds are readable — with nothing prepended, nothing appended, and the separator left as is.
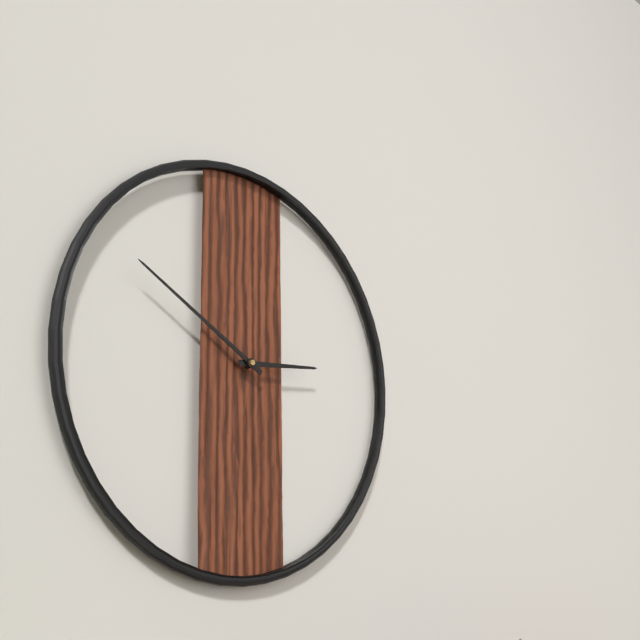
**2:50**
